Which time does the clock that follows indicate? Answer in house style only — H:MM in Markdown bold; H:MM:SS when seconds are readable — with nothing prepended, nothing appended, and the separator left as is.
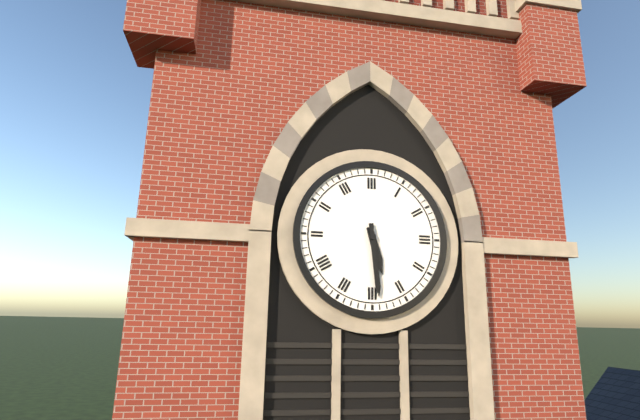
**5:29**
